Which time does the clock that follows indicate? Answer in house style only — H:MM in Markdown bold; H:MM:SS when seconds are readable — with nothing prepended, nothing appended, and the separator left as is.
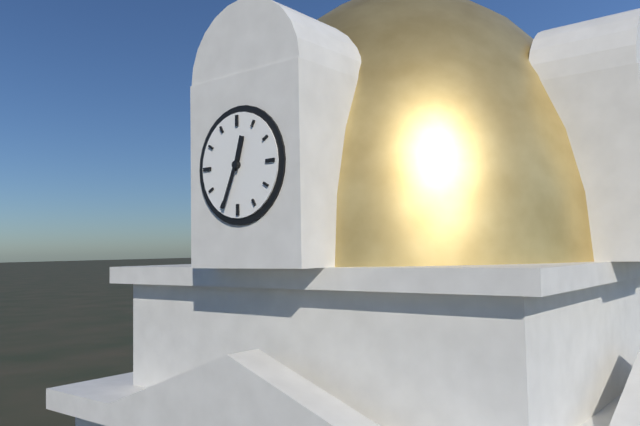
**12:34**
